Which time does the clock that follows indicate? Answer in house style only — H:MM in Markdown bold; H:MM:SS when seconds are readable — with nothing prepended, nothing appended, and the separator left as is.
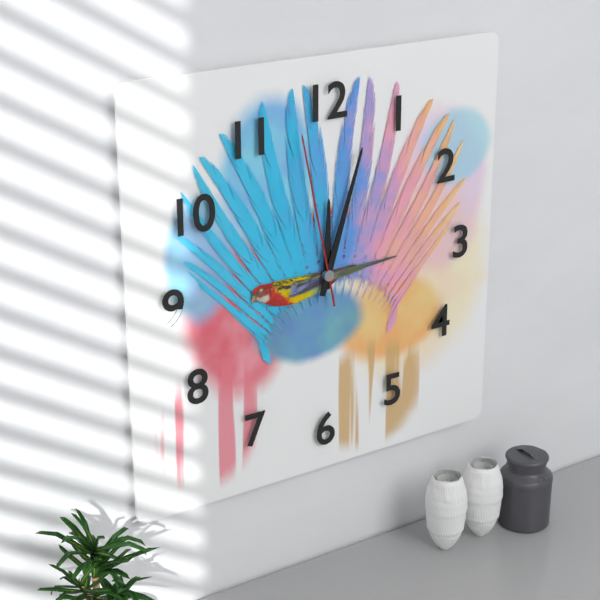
**12:03:58**
